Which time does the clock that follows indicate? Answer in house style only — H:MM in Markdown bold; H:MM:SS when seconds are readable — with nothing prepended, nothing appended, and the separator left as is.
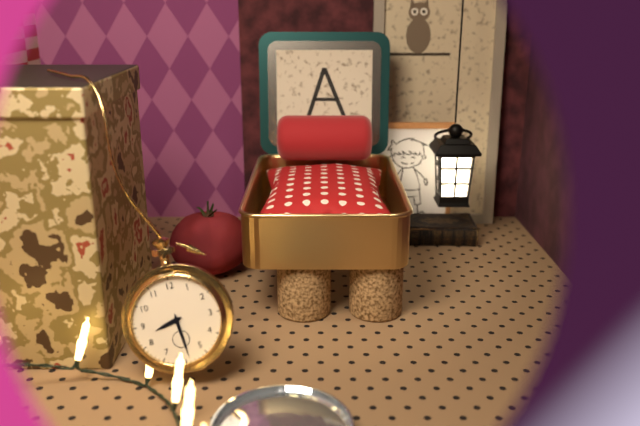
**8:29**
